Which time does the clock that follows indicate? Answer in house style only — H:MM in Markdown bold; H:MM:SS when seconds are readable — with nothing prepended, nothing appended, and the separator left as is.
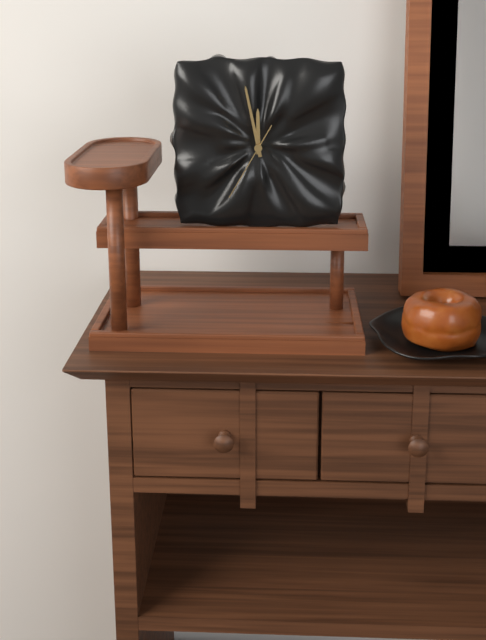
**11:58:35**
